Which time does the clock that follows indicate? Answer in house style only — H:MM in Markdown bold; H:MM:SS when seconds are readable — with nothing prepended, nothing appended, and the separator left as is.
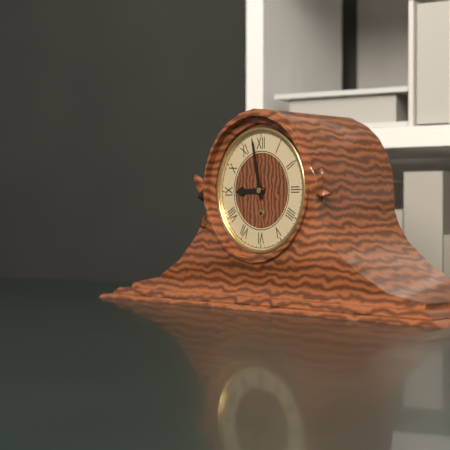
**8:58**
